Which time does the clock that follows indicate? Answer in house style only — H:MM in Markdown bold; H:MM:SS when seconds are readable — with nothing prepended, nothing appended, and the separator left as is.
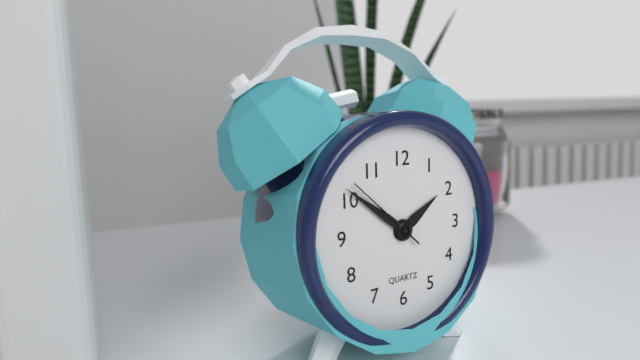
**1:51:52**
